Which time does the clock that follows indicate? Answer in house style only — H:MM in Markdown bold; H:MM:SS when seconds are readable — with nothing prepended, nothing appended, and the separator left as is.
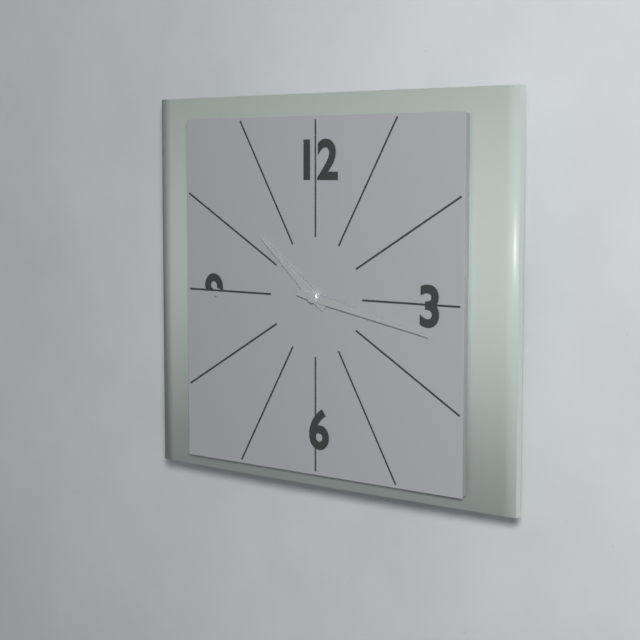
**10:17**
